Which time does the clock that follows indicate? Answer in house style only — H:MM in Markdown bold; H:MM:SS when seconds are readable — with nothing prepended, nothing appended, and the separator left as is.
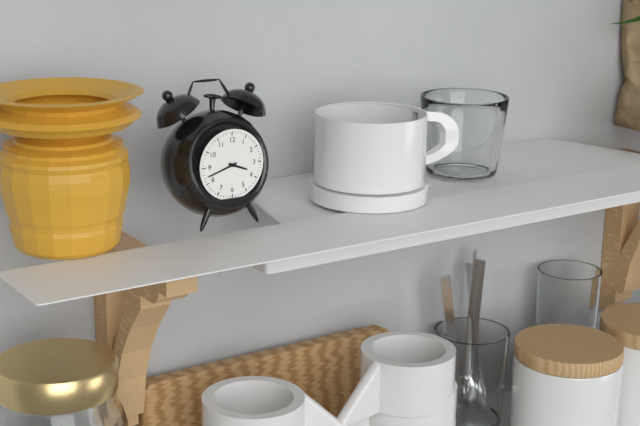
**3:42**
